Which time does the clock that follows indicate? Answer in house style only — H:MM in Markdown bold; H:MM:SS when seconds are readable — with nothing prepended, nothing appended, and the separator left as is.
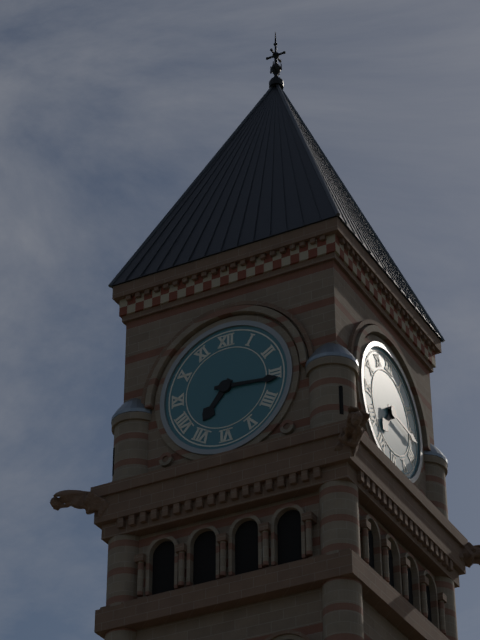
**7:16**
